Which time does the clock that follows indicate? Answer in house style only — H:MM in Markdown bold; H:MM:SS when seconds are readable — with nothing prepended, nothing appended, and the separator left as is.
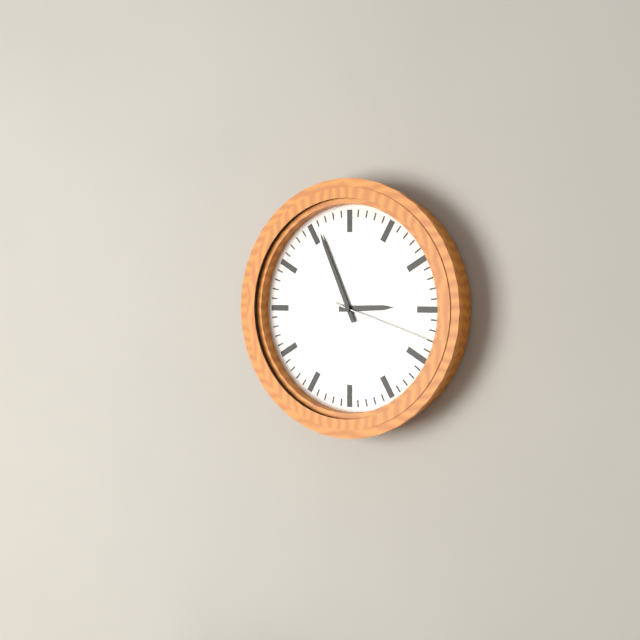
**2:56:18**
